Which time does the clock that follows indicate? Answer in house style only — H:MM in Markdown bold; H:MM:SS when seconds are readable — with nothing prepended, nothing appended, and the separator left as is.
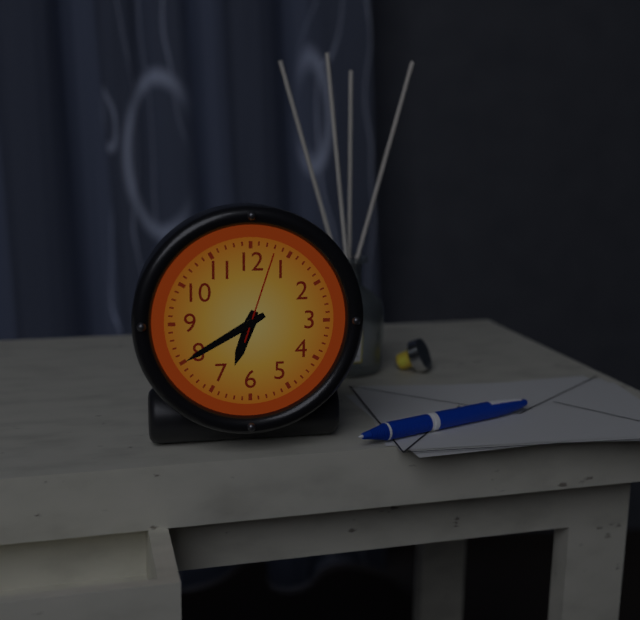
**6:40:03**
